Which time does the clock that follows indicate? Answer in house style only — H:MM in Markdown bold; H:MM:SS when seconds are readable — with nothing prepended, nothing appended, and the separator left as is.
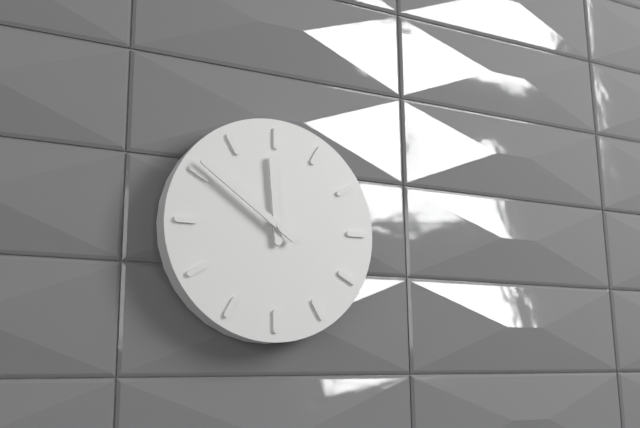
**11:51**
